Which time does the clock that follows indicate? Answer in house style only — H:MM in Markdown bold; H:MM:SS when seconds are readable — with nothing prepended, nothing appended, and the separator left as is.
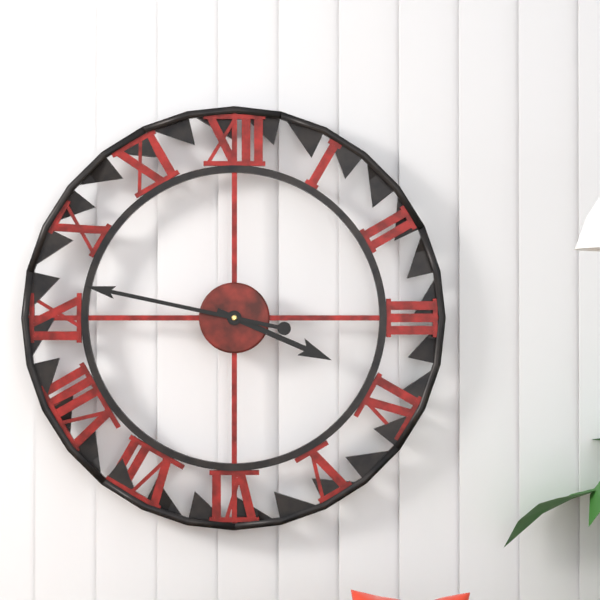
**3:47**
